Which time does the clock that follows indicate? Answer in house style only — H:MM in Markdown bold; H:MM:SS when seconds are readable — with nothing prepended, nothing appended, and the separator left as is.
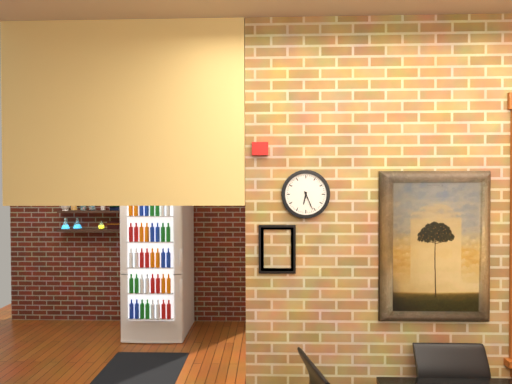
**6:26**
